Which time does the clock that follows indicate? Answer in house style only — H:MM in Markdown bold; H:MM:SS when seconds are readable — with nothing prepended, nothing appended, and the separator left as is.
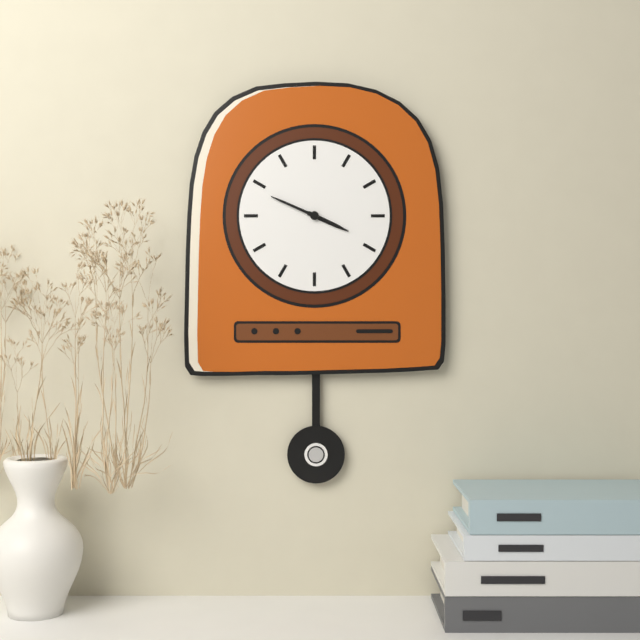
**3:49**
